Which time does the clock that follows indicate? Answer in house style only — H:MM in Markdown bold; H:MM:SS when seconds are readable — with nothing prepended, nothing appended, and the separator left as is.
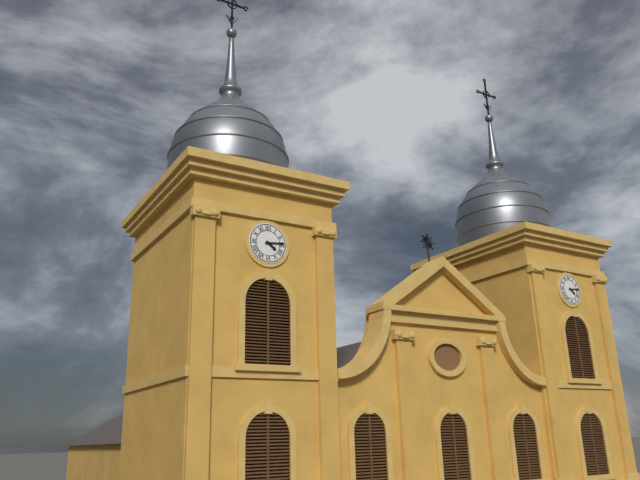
**4:14**
